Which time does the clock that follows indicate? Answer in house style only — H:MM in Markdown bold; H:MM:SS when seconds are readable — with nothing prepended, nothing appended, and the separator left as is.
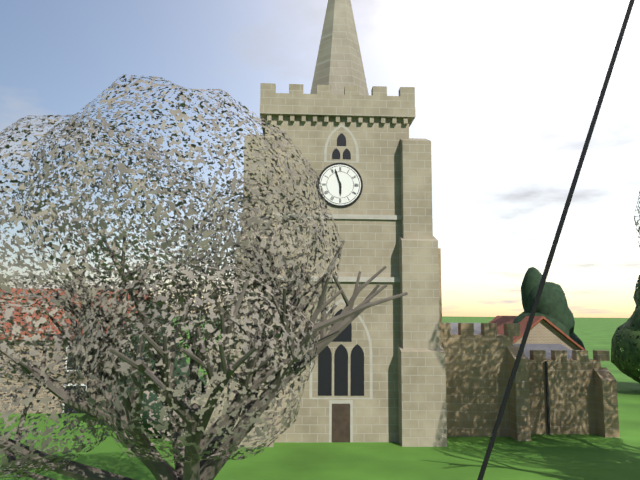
**5:57**
